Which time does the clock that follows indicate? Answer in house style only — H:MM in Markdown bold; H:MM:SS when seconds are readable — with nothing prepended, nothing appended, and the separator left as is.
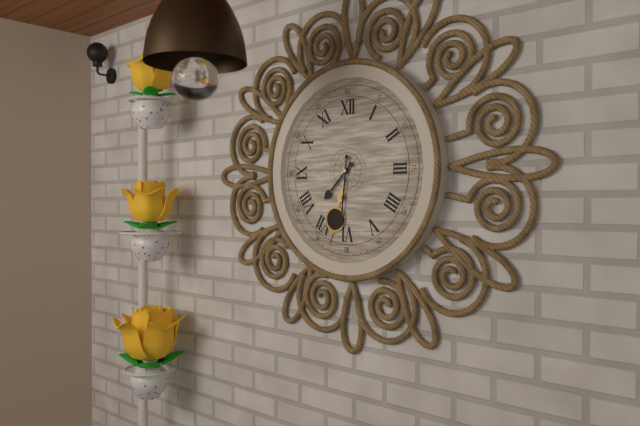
**7:31**
